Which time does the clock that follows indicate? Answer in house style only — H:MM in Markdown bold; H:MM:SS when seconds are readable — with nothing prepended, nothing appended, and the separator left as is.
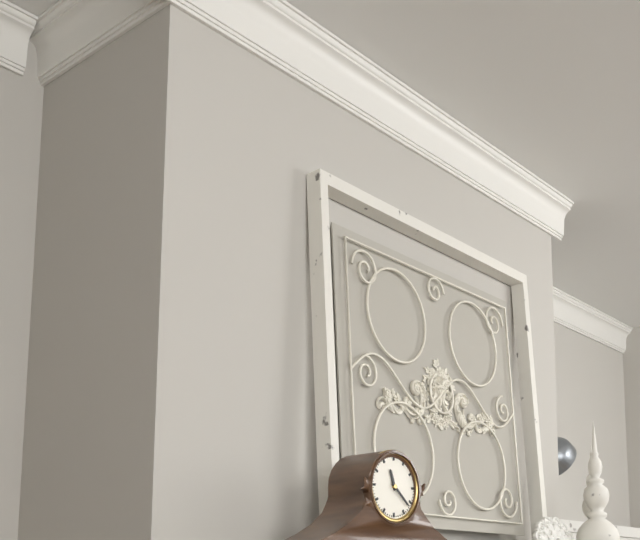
**11:22**
